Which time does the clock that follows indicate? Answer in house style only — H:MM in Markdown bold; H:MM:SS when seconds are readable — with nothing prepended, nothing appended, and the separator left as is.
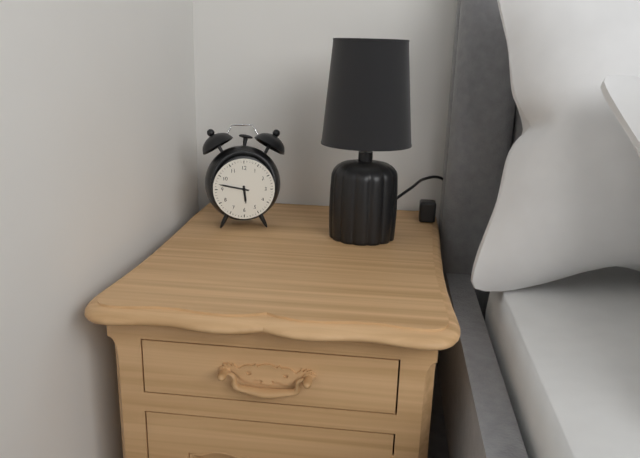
**5:47**
